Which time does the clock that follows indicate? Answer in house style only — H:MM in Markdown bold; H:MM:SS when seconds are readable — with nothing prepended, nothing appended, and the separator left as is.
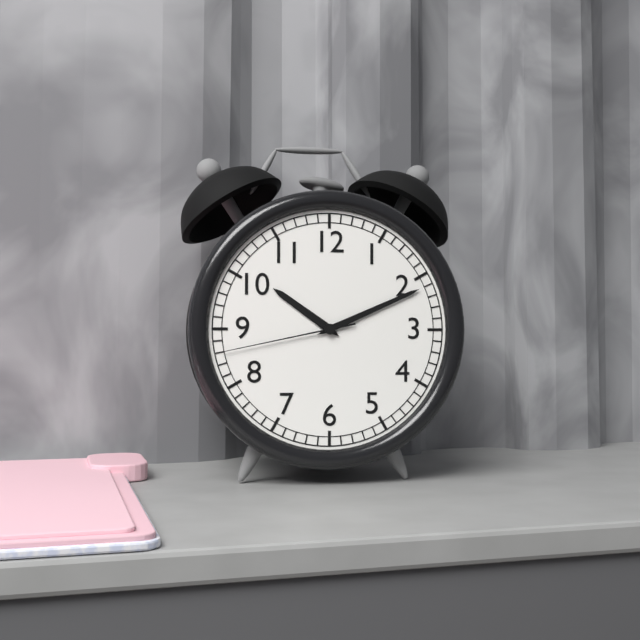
**10:11:43**
